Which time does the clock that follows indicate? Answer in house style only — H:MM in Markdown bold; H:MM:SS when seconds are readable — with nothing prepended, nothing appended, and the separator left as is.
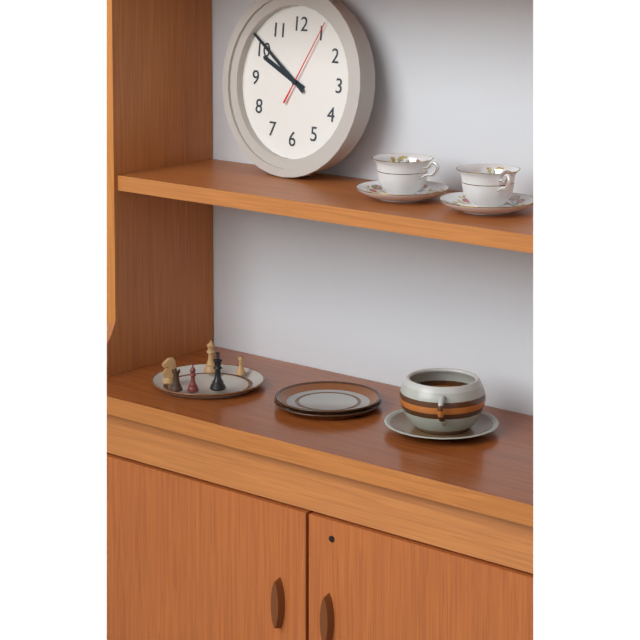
**9:51:05**
